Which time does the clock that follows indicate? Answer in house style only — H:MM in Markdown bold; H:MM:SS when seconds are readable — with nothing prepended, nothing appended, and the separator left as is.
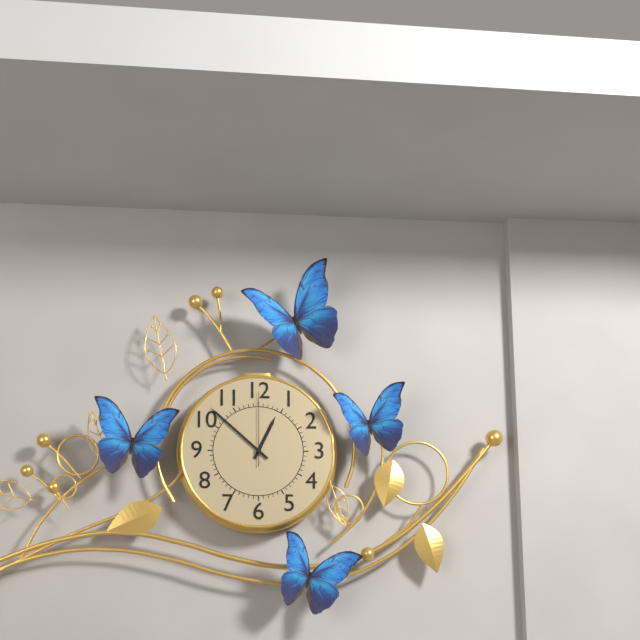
**12:52:00**
